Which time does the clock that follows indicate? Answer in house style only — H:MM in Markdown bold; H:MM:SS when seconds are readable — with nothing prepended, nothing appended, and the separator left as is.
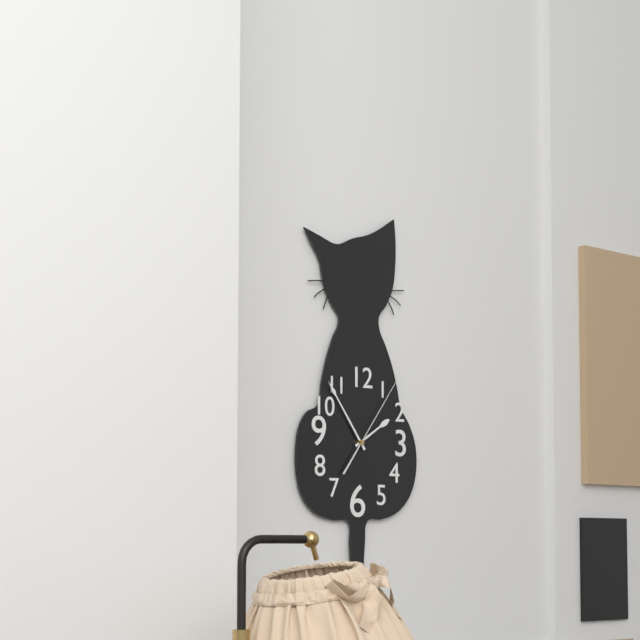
**1:54:06**
